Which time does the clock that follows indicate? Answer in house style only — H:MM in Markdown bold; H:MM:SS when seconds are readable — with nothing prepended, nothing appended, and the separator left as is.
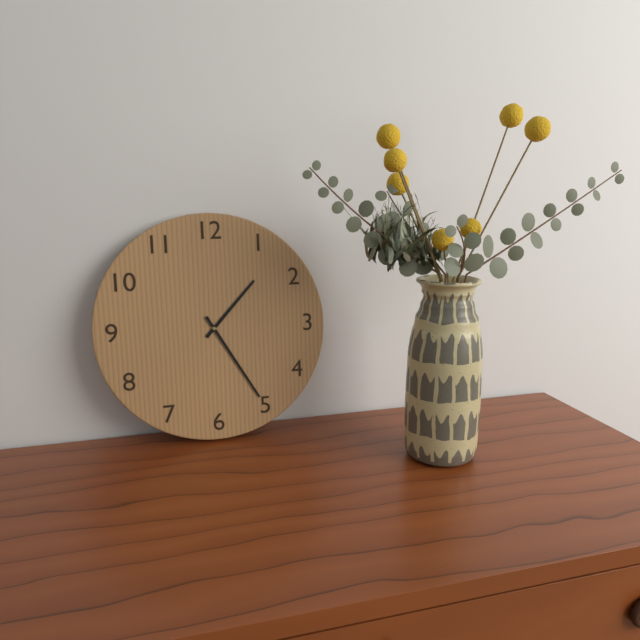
**1:25**
